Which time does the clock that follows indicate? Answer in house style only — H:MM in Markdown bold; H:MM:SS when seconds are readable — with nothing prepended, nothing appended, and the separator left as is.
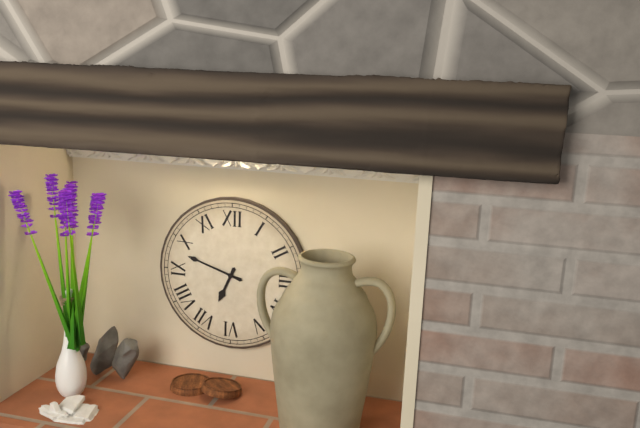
**6:48**
